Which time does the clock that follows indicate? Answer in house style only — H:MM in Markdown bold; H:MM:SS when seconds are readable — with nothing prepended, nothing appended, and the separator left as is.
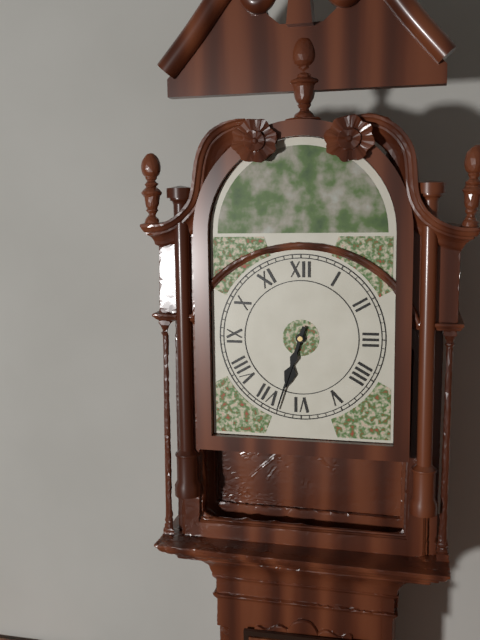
**6:33**
